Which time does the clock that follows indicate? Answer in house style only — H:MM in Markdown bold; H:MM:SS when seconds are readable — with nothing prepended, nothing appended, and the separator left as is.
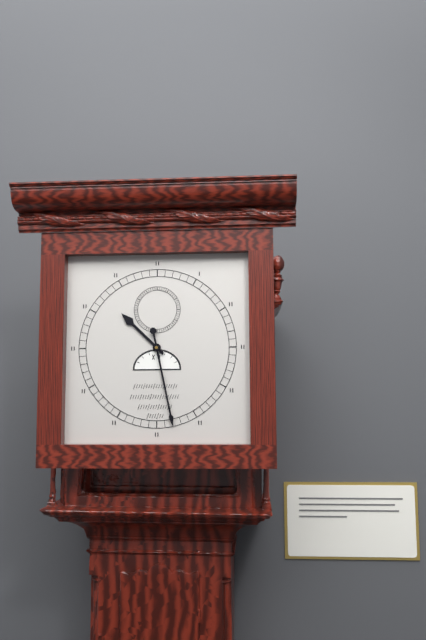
**10:28**
